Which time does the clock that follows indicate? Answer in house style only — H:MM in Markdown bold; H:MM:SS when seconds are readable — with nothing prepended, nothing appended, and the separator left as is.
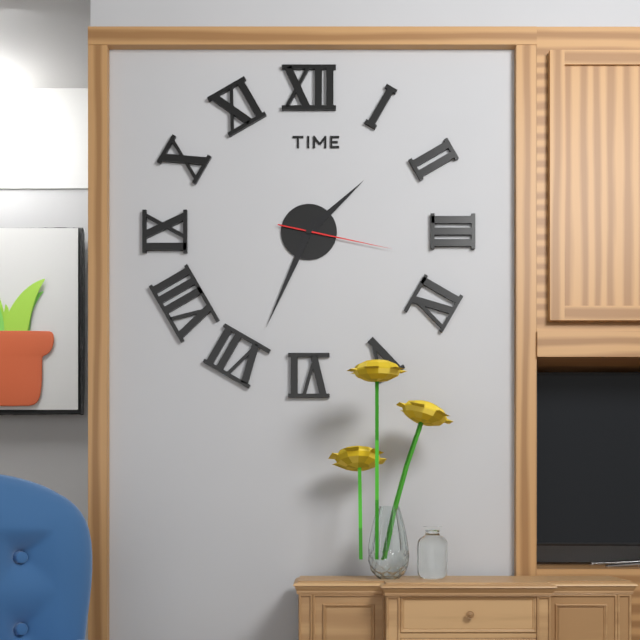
**1:34:17**
